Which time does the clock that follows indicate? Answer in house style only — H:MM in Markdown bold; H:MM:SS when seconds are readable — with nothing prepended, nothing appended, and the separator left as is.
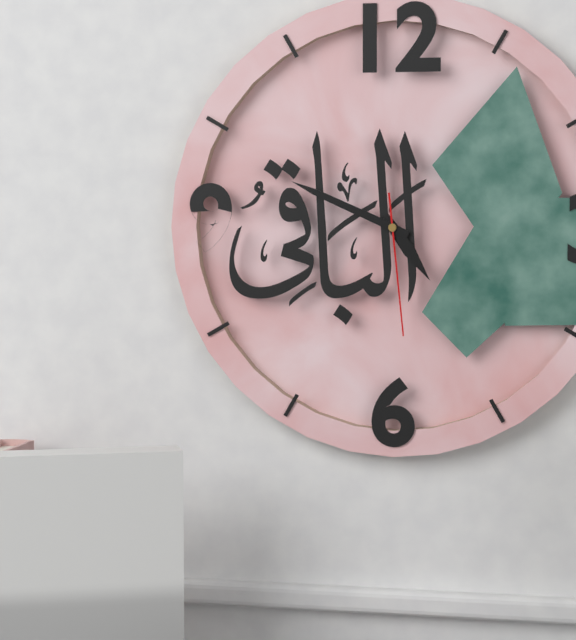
**4:49:29**
